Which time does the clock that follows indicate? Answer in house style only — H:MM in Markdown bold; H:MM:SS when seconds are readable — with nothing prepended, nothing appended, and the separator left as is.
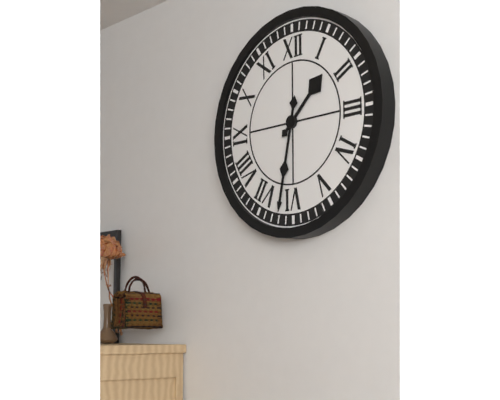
**1:32**
